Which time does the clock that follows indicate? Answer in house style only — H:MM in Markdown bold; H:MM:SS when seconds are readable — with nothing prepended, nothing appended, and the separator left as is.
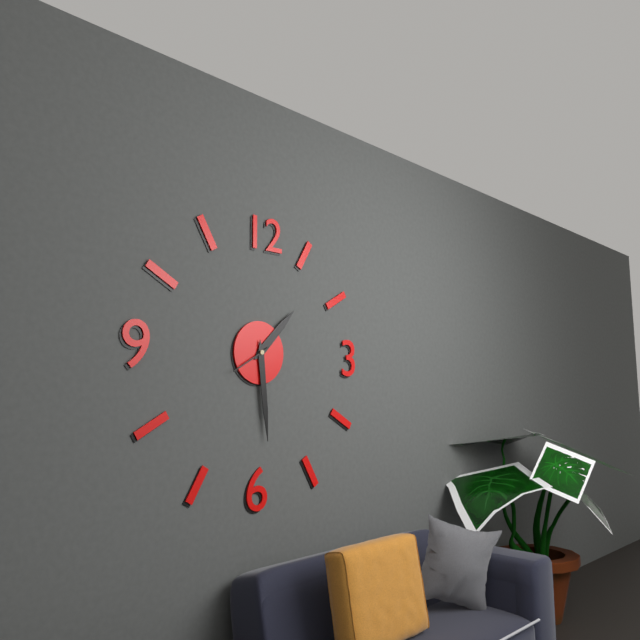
**1:29**
